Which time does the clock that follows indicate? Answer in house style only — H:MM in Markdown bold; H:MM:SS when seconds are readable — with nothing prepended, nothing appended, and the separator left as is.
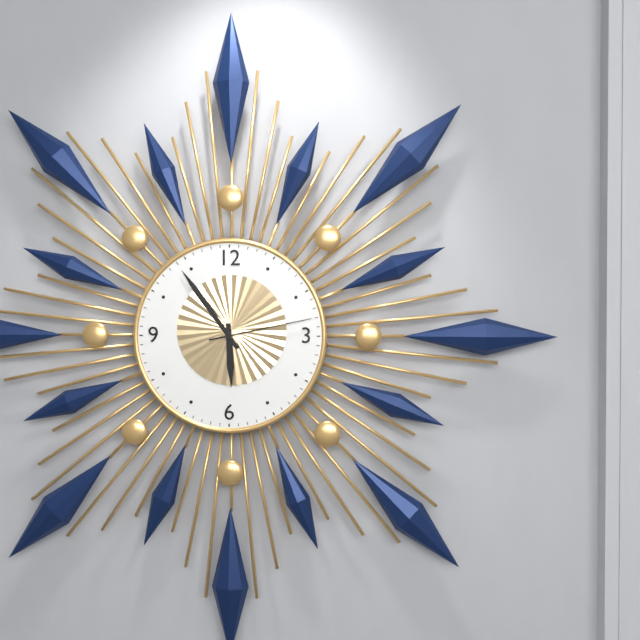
**5:54:13**
